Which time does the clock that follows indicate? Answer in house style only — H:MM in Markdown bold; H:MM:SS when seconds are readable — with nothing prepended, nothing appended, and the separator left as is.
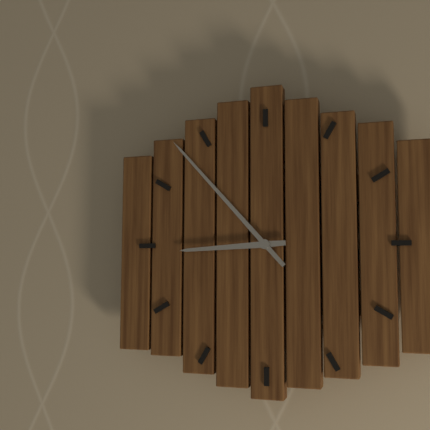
**8:53**
